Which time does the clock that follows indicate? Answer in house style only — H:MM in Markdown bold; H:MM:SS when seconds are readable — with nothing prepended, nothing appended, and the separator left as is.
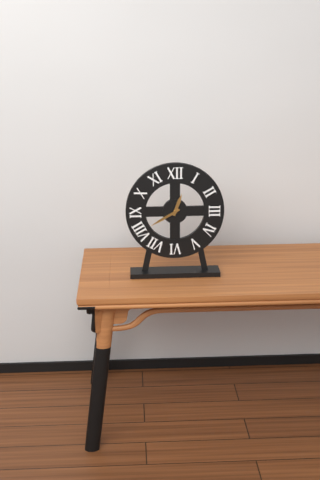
**12:40**
